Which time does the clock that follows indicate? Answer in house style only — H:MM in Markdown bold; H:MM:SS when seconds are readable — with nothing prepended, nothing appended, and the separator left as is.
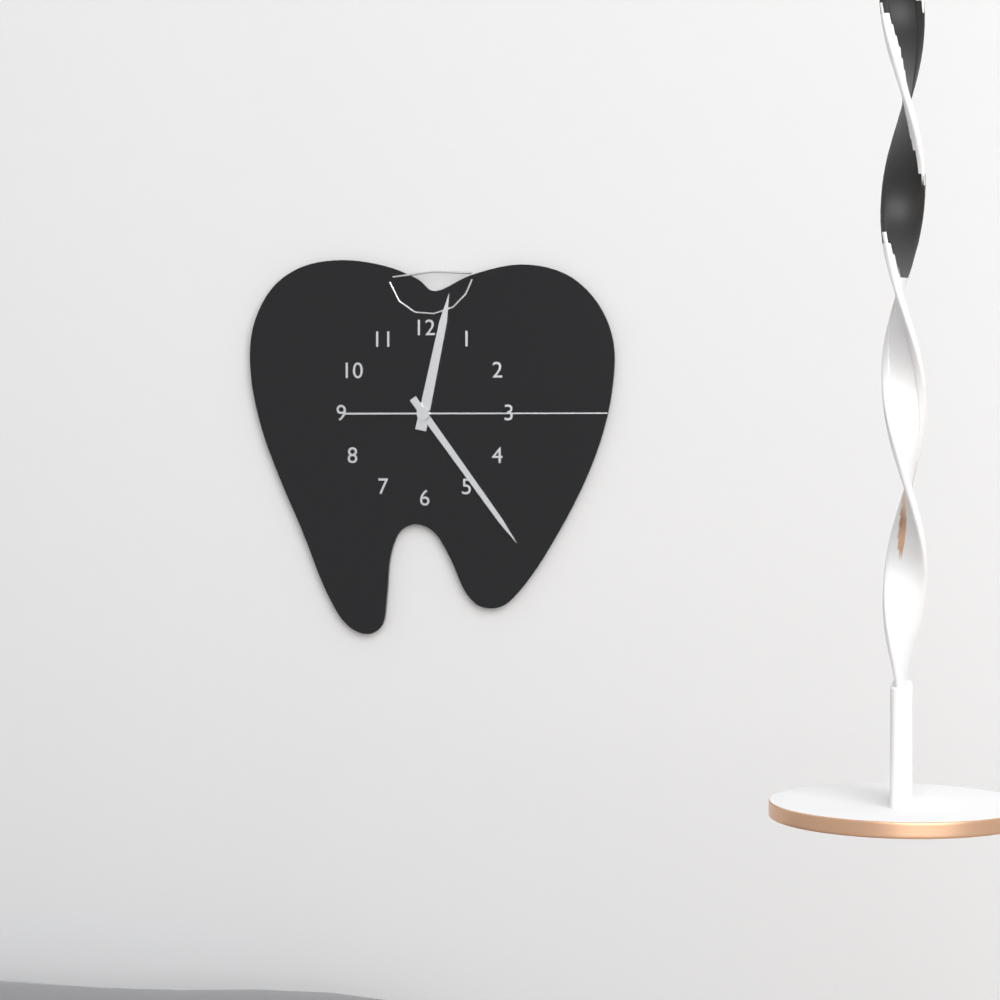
**12:24:15**
